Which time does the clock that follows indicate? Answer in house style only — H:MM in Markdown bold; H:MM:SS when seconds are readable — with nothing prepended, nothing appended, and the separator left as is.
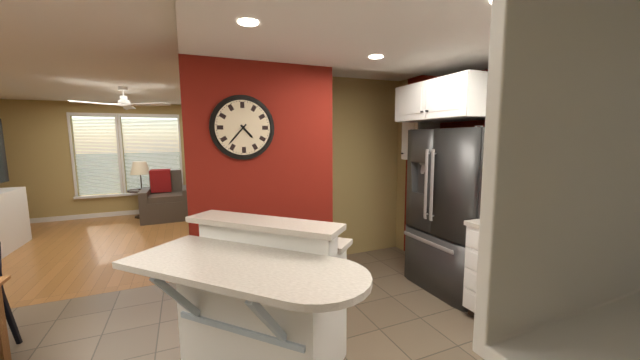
**4:37**
